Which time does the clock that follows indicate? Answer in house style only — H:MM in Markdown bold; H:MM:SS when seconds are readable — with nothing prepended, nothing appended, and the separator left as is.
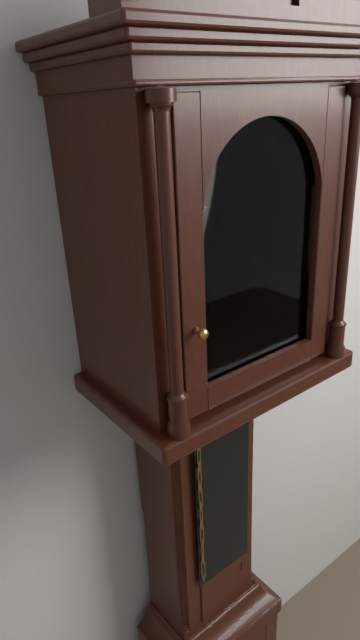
**1:40**
